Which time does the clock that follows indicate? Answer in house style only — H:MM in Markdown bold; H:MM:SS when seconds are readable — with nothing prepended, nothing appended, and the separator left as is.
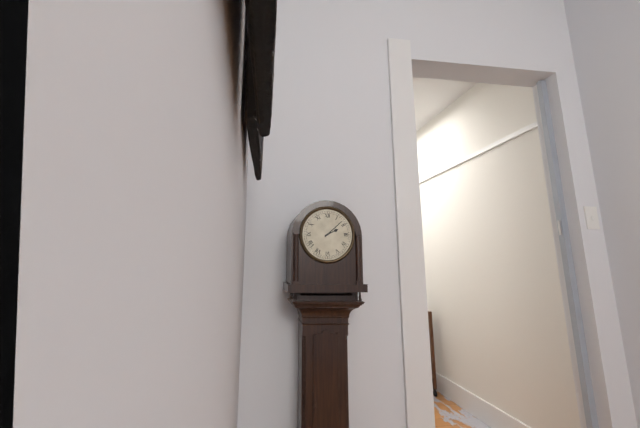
**2:08**
